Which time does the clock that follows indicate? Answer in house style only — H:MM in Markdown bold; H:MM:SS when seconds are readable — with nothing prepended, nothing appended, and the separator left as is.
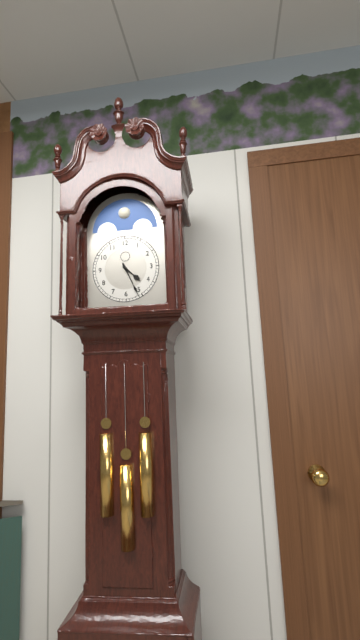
**4:26**
